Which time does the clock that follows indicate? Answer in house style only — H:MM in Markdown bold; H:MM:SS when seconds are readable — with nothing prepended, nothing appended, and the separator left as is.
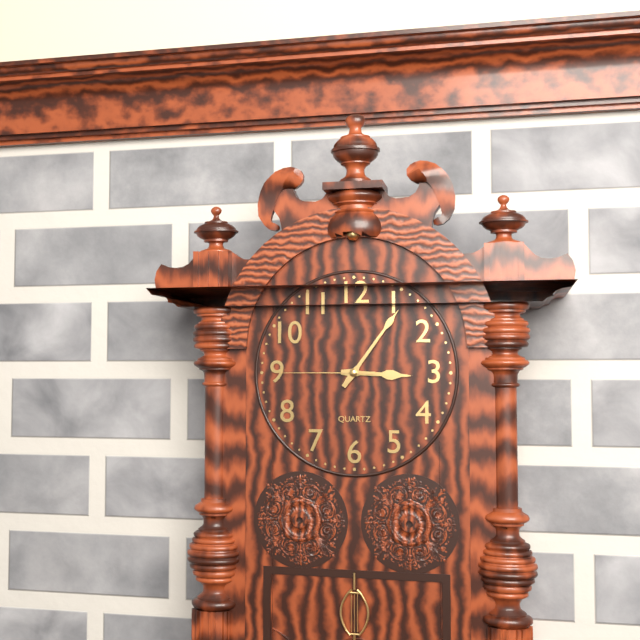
**3:06:45**
